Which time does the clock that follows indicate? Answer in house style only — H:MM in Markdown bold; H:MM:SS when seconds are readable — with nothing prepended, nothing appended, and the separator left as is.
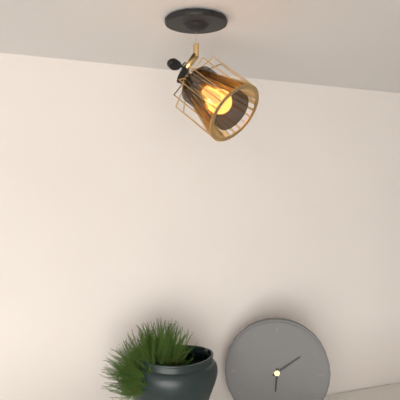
**6:09**
